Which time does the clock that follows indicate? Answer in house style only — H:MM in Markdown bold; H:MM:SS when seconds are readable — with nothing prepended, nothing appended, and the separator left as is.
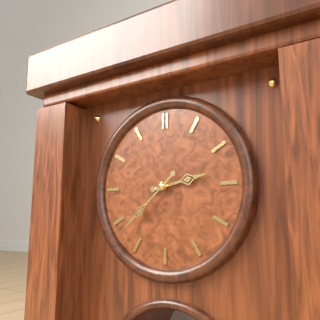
**2:38**
